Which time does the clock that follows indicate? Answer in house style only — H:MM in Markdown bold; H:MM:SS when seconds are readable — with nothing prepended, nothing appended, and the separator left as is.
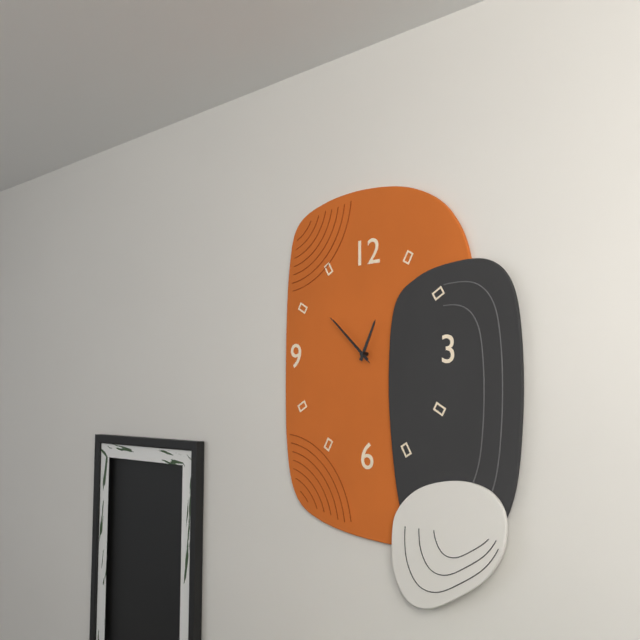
**12:52:52**
